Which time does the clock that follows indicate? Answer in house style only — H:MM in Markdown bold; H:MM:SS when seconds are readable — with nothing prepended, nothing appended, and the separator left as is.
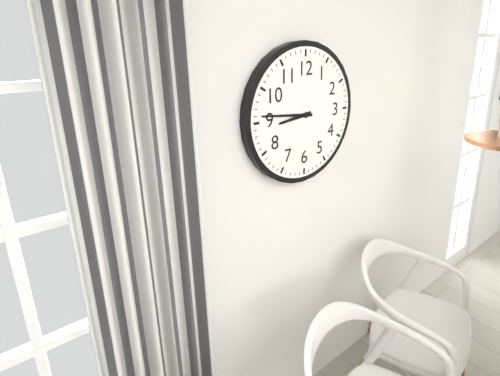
**8:46**
